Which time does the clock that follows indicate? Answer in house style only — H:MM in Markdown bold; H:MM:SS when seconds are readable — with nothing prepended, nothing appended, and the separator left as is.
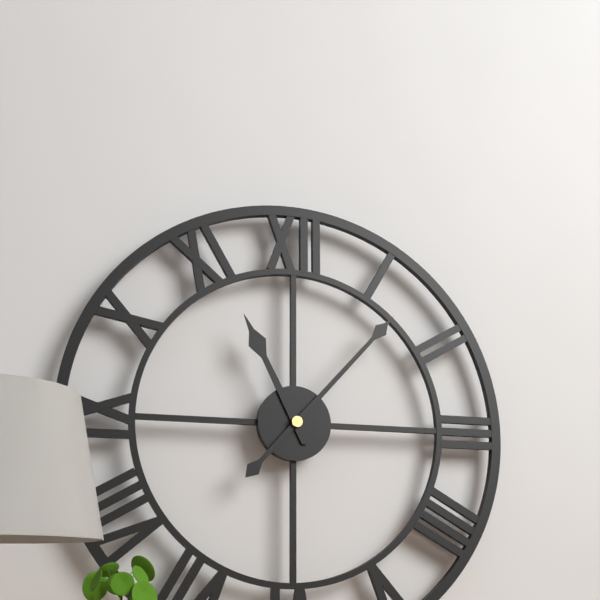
**11:07**
